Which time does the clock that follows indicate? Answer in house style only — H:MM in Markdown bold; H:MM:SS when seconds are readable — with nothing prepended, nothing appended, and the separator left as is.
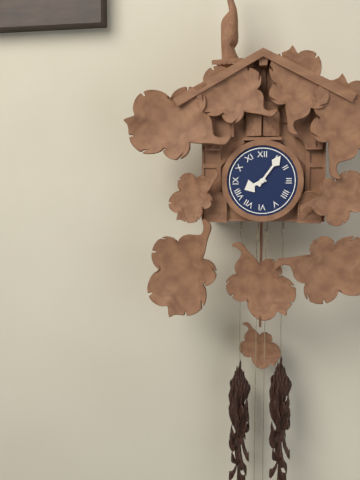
**8:06**
